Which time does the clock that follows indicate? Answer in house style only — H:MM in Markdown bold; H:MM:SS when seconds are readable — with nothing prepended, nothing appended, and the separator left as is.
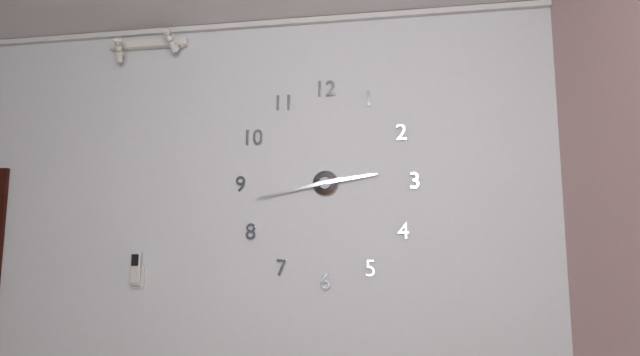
**2:43**
